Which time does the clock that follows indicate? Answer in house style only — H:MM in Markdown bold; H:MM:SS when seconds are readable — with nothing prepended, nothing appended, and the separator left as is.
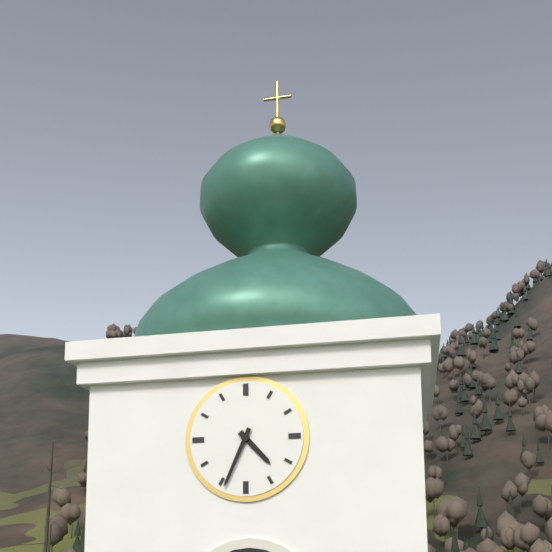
**4:34**
